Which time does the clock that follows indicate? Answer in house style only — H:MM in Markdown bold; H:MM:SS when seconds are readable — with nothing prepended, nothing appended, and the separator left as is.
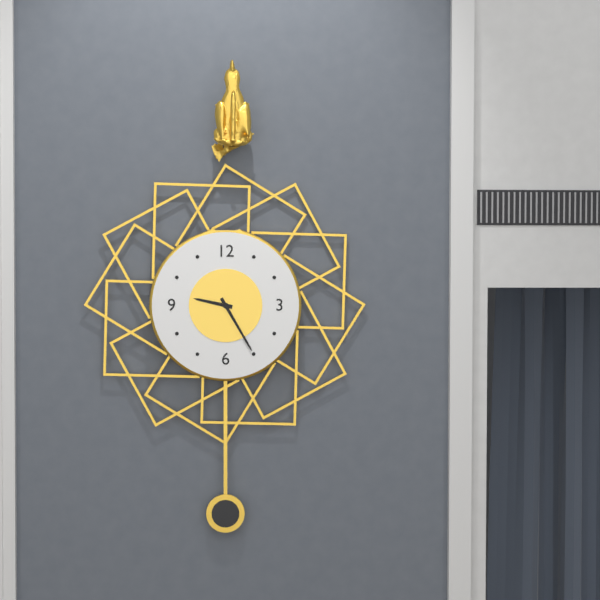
**9:25**
